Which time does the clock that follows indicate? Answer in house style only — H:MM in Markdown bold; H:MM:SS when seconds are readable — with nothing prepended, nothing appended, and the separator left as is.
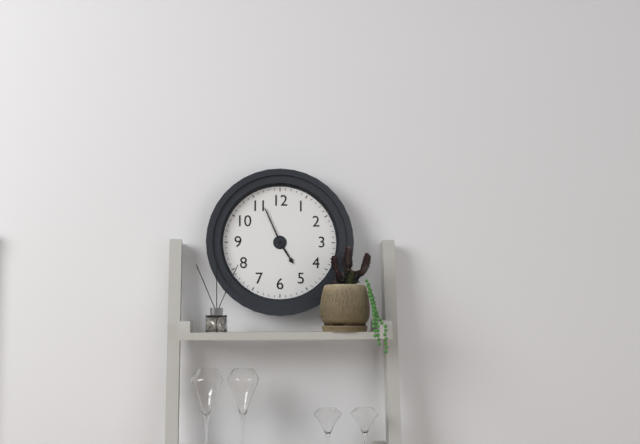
**4:56**
